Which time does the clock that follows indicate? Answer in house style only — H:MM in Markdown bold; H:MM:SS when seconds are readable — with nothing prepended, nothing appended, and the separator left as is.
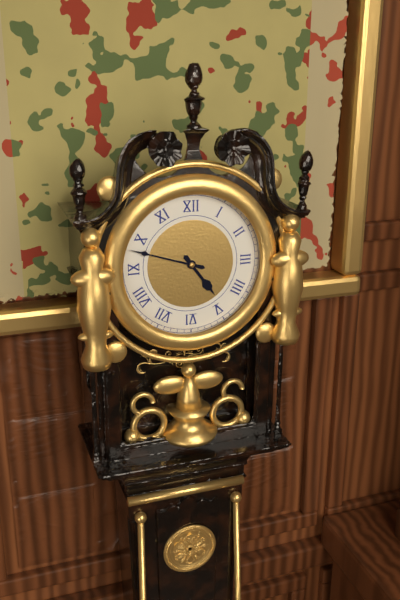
**4:48**
